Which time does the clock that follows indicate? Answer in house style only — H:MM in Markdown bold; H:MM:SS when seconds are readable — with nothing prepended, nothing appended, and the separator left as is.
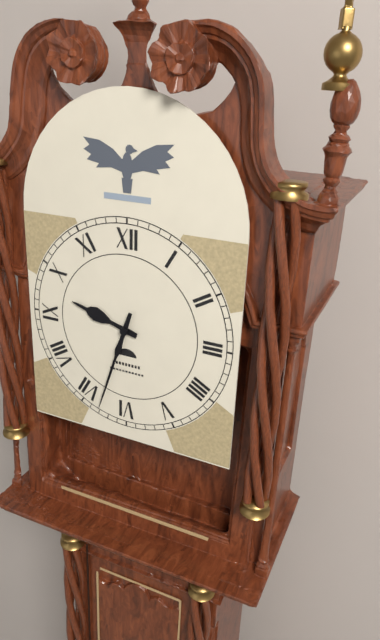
**9:33**
